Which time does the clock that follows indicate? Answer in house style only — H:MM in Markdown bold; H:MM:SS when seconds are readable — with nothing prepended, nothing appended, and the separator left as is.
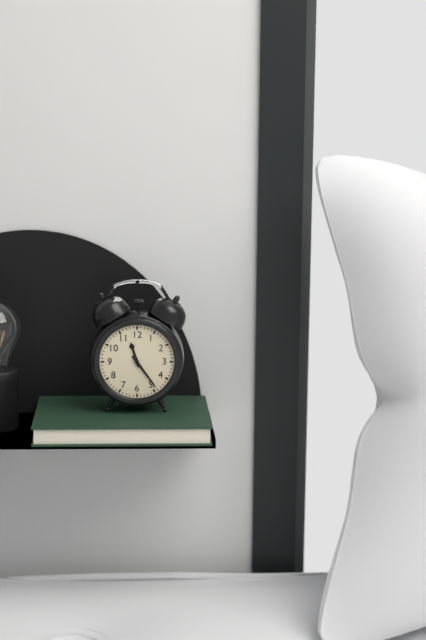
**11:24**
